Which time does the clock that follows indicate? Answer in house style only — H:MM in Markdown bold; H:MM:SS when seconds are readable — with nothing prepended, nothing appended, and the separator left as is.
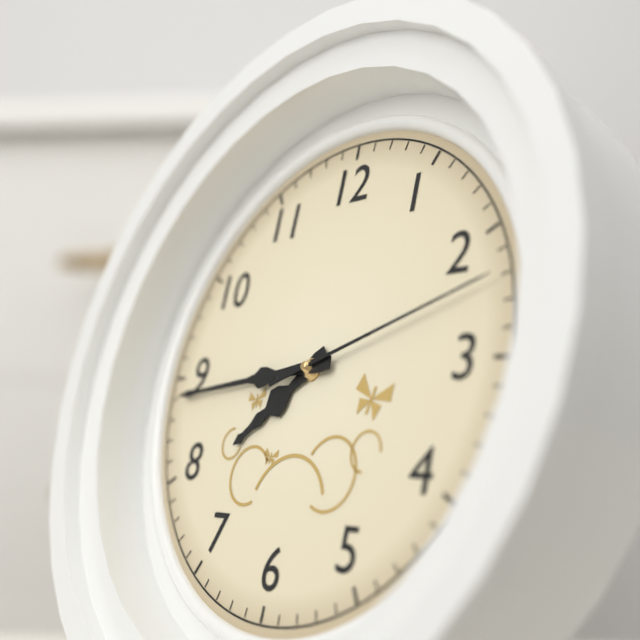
**7:44:12**
